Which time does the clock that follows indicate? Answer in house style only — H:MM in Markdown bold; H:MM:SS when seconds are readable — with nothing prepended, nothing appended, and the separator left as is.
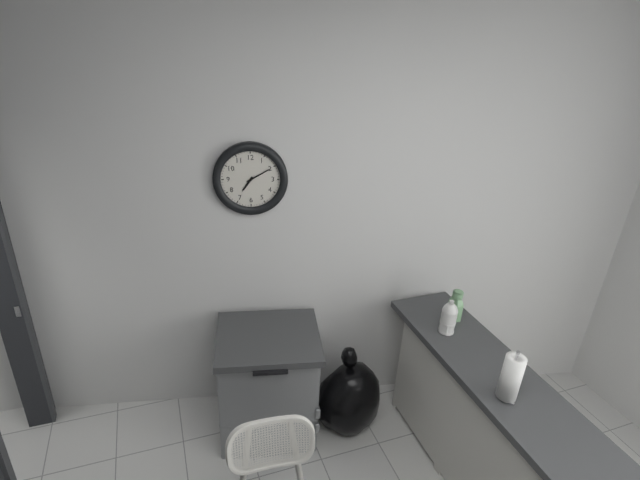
**7:10**
